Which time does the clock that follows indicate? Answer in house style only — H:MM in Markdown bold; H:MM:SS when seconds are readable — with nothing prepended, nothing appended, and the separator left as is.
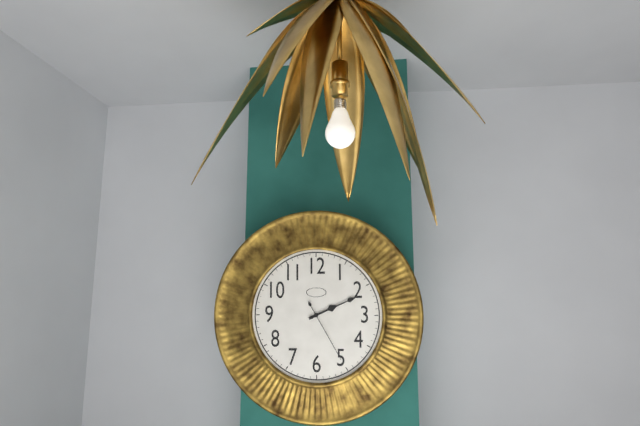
**2:11:25**
